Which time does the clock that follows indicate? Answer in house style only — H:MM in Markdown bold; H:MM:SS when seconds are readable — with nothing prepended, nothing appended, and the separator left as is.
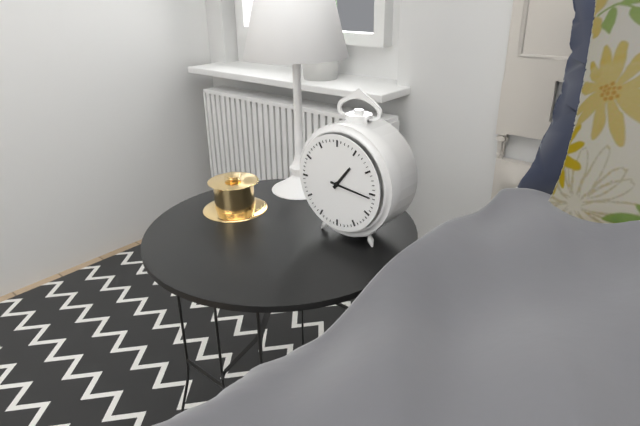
**1:16**
